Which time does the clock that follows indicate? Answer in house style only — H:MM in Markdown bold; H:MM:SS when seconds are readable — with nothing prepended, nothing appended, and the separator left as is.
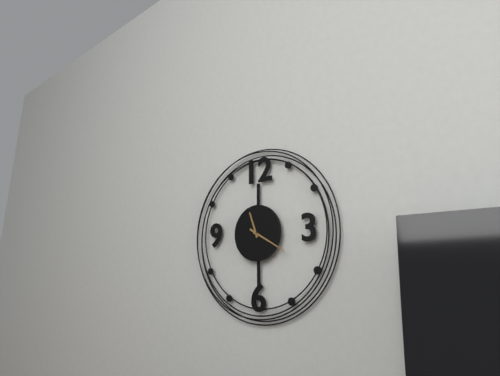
**11:20**
